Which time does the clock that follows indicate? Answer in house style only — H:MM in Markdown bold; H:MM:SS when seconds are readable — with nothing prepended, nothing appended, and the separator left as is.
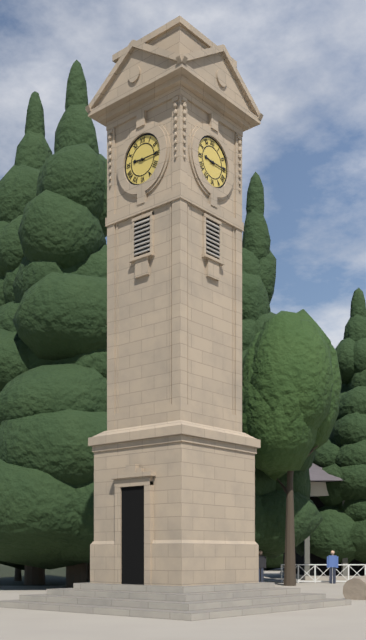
**9:15**
